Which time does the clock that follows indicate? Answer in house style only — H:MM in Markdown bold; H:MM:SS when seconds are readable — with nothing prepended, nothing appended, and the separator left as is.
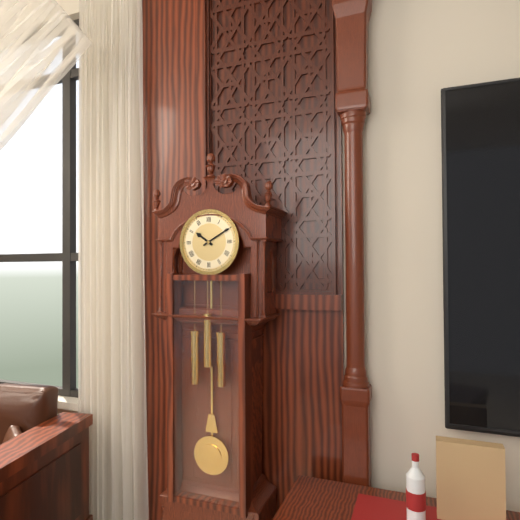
**10:10**
